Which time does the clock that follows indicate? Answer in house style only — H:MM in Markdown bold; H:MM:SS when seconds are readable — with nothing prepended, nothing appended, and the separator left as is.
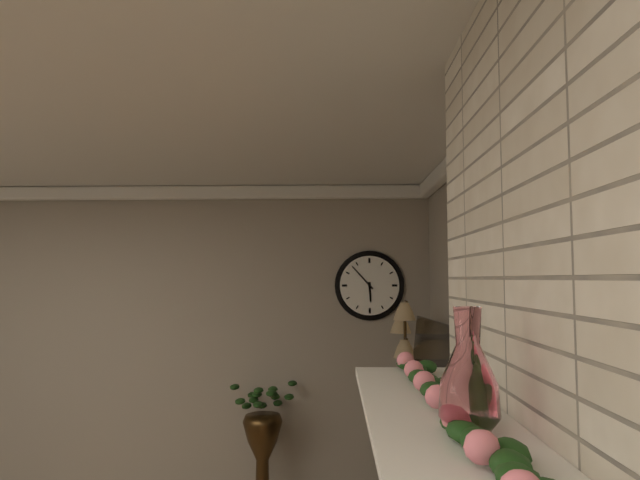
**5:53**
